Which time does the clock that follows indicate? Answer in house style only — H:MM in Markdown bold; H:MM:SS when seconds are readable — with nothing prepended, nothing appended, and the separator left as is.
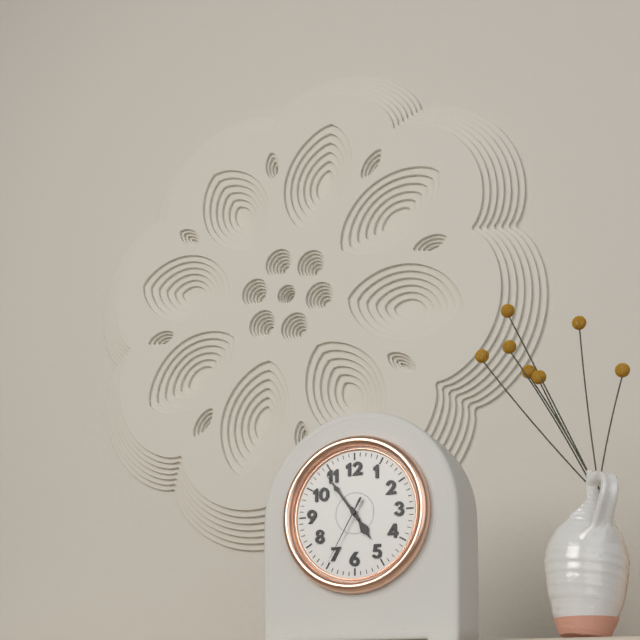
**4:54:35**
